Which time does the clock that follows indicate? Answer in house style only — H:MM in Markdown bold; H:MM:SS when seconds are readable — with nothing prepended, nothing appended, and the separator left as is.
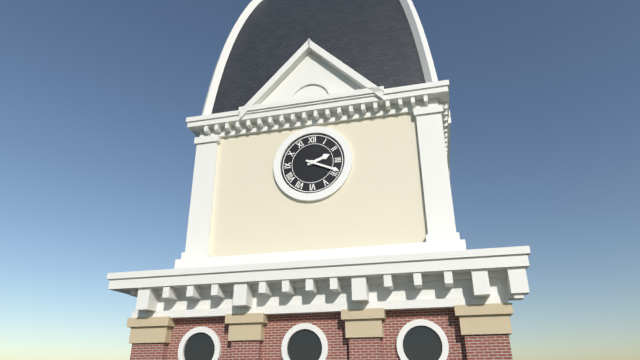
**2:19**
